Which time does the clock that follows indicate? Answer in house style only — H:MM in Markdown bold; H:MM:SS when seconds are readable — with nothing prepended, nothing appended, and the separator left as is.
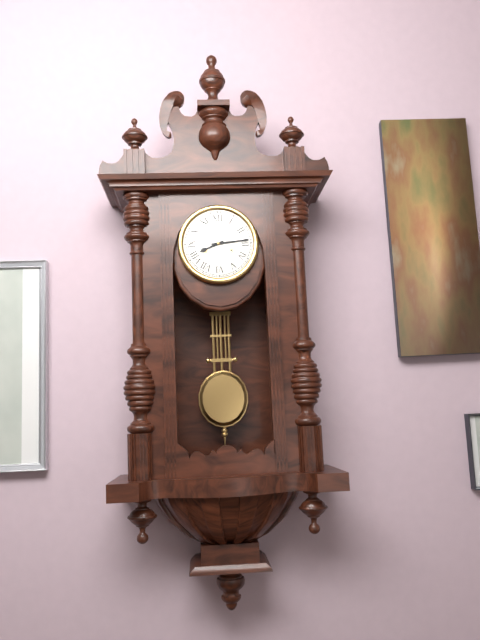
**8:14**
